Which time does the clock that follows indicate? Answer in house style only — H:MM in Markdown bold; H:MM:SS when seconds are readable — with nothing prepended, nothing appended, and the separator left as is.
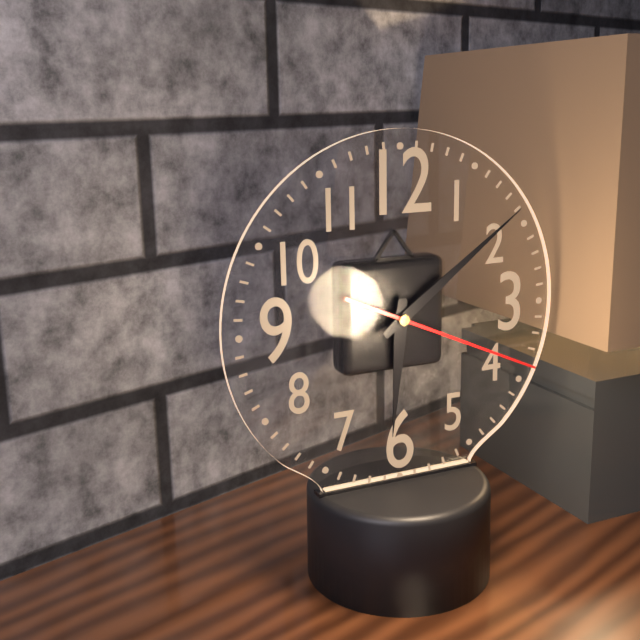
**6:09:19**
